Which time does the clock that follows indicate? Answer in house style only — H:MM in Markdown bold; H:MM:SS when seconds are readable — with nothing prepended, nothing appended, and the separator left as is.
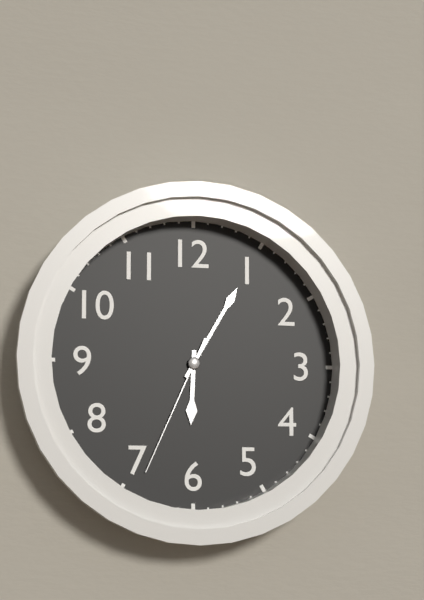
**6:05:34**
